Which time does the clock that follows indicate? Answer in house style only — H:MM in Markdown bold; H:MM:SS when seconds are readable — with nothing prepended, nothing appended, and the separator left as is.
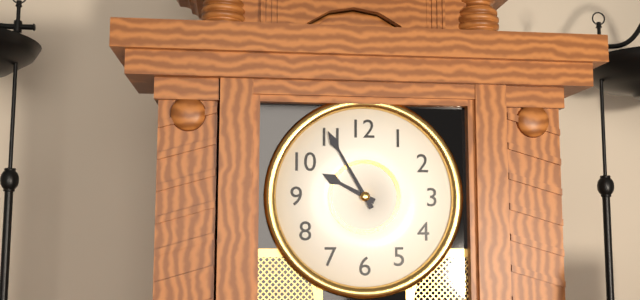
**9:55**
